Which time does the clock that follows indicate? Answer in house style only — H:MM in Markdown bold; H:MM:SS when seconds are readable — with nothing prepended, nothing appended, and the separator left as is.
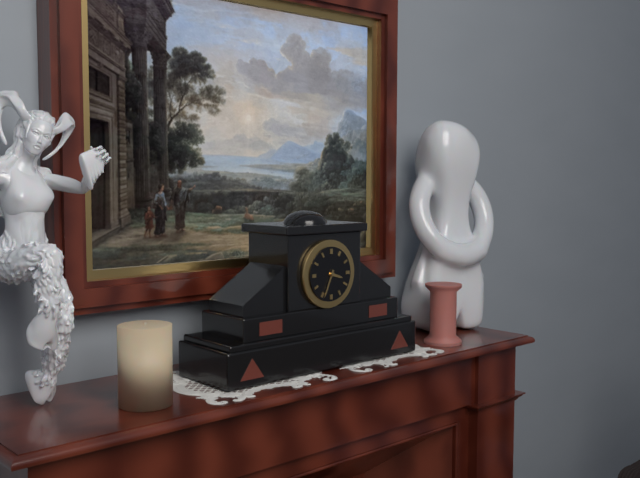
**3:34**
